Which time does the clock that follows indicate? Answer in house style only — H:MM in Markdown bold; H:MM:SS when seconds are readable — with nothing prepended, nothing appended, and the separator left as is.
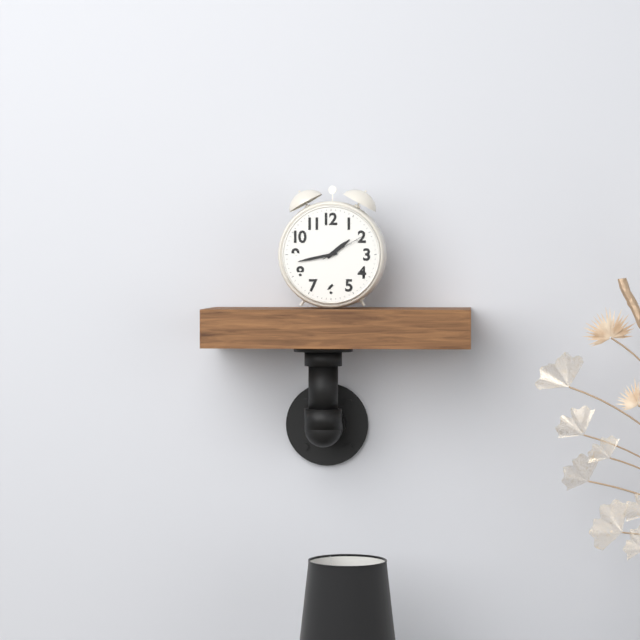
**1:43**
